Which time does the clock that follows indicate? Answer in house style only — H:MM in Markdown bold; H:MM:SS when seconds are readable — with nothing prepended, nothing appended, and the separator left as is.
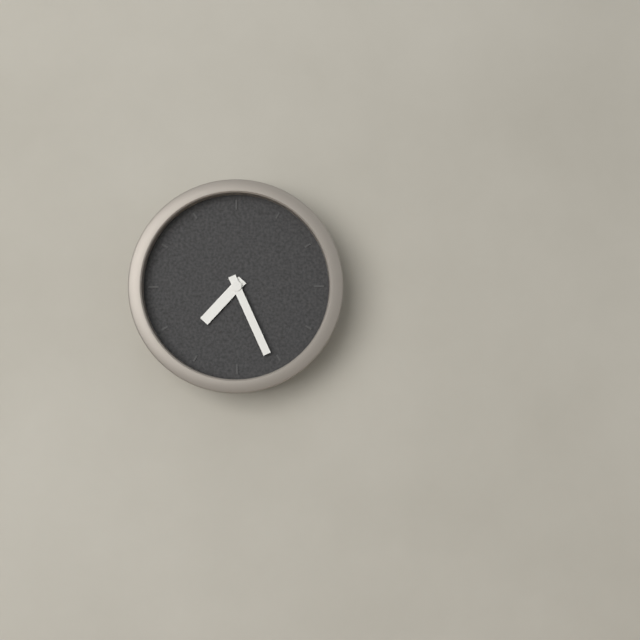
**7:26**
